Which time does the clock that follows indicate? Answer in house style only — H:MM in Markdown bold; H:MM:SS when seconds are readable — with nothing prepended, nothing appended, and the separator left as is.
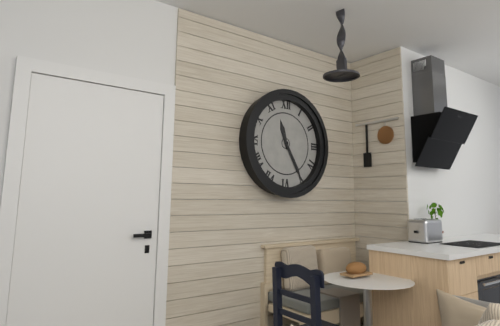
**11:25**
